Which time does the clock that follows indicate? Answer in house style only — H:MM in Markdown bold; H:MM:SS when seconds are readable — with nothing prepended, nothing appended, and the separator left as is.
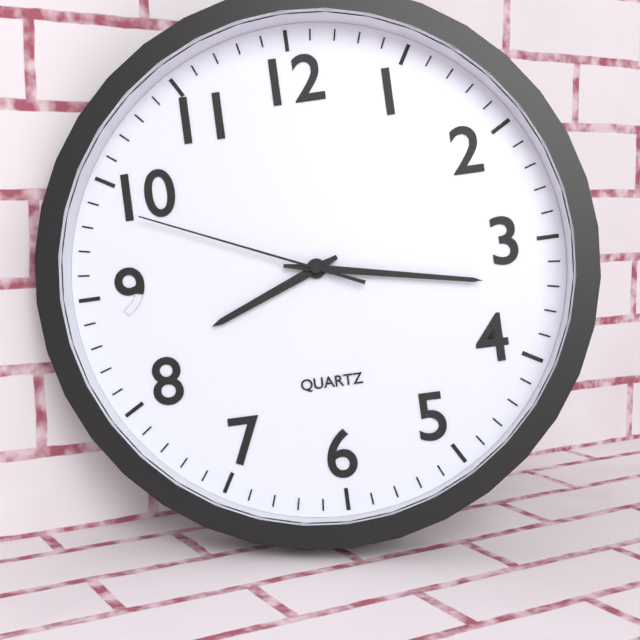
**8:17:49**
